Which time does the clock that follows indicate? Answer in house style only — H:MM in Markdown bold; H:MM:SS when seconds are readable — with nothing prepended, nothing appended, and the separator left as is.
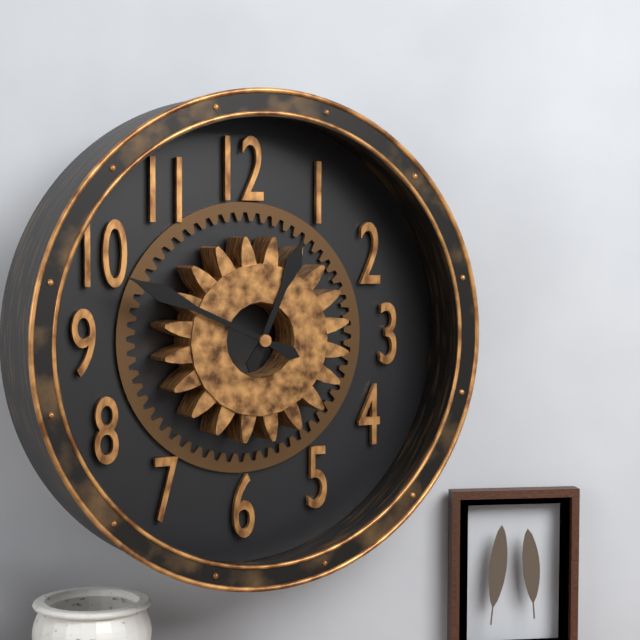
**12:49**
